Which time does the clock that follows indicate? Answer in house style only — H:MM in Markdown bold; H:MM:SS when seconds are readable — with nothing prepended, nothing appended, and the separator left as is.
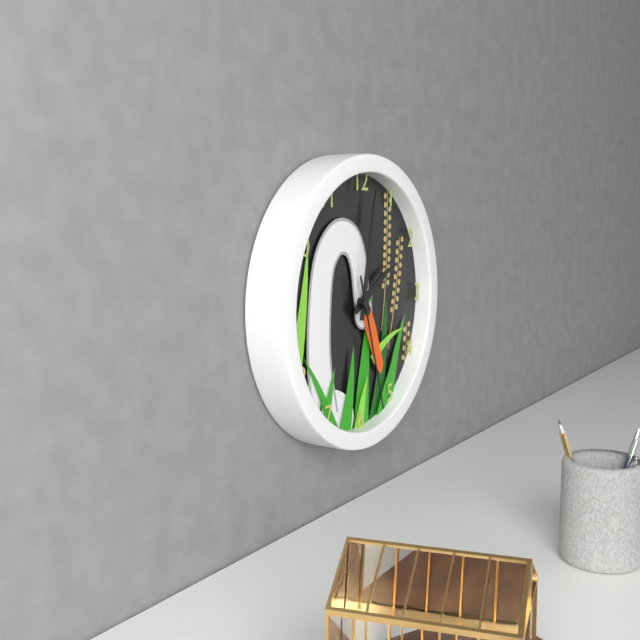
**2:02:27**
